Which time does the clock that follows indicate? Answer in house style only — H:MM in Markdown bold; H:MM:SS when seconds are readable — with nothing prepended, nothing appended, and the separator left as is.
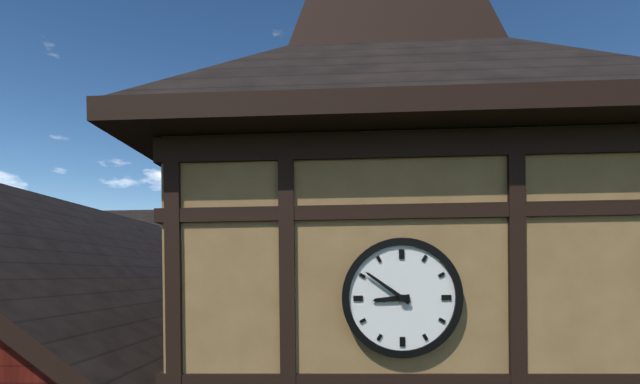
**8:51**
